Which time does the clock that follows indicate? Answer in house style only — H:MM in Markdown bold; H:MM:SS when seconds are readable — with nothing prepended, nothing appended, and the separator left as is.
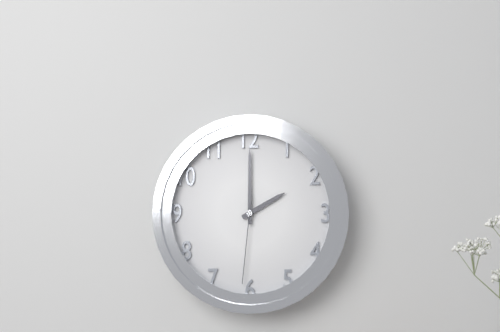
**2:00:31**
